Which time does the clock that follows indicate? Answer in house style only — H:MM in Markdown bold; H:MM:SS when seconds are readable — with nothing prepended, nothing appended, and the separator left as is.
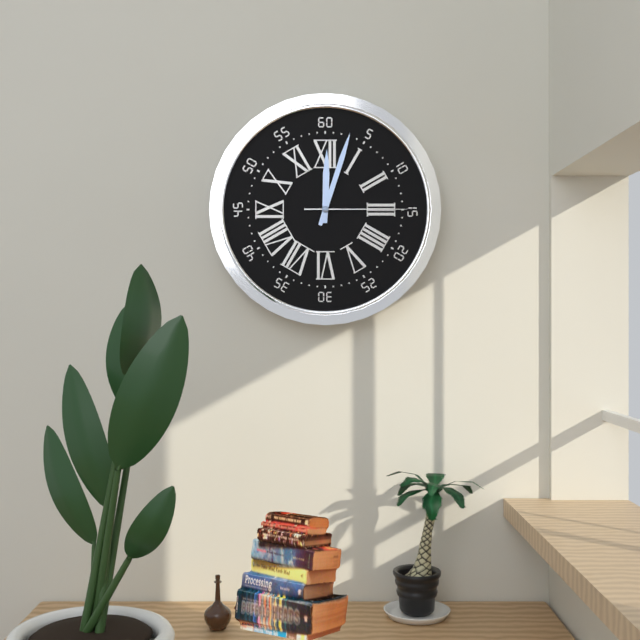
**12:03:15**
